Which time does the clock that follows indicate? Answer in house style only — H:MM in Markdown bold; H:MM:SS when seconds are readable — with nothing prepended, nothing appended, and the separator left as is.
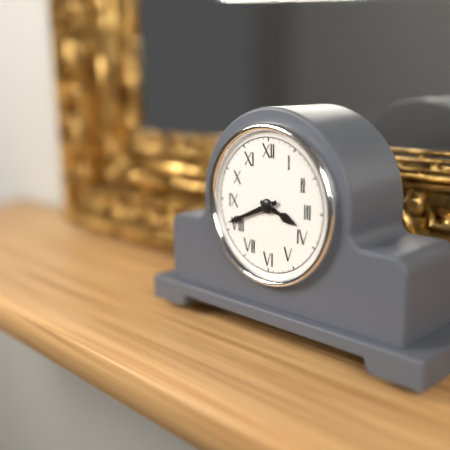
**3:41**
